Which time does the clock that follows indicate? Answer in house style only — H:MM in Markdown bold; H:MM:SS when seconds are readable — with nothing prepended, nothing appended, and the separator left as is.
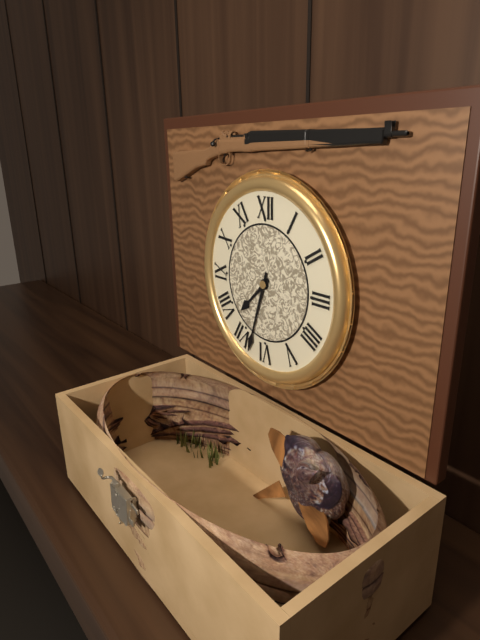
**7:33**
